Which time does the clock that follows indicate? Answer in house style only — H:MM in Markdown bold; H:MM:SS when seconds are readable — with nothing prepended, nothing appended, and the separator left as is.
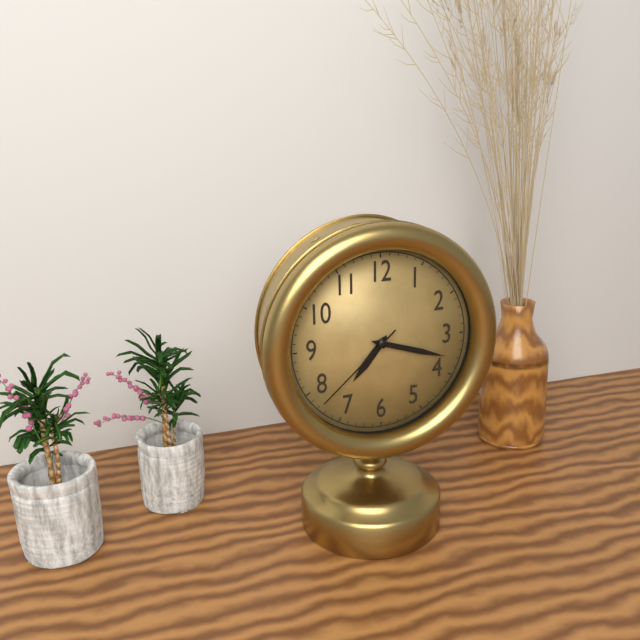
**7:18:38**
